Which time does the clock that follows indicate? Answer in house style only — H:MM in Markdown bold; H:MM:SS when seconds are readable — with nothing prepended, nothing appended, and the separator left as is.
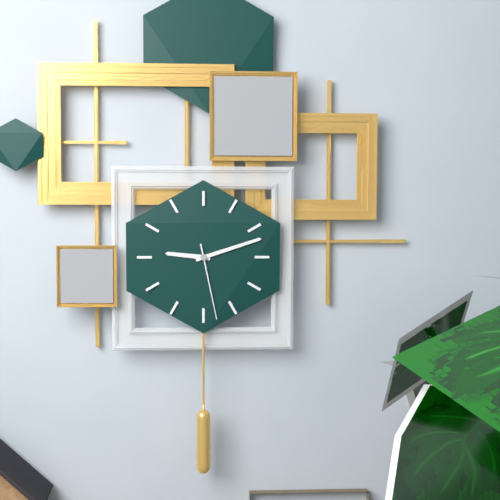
**9:12:28**
